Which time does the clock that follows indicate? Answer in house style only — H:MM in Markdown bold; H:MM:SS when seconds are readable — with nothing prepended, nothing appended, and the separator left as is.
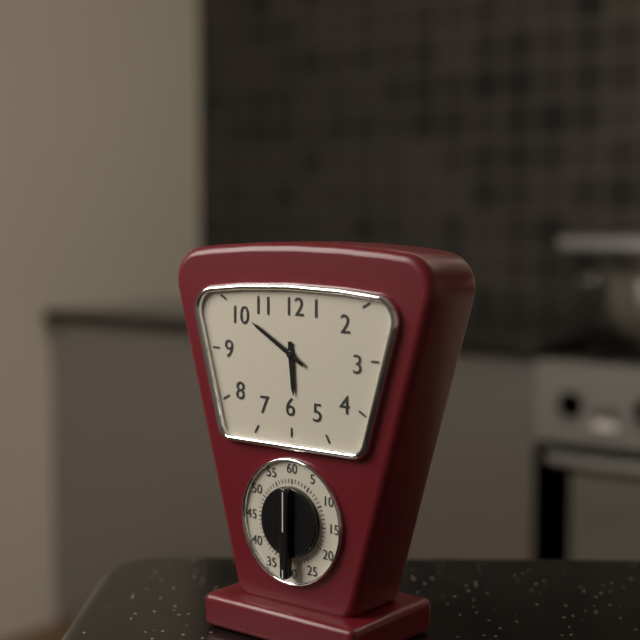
**5:50**
